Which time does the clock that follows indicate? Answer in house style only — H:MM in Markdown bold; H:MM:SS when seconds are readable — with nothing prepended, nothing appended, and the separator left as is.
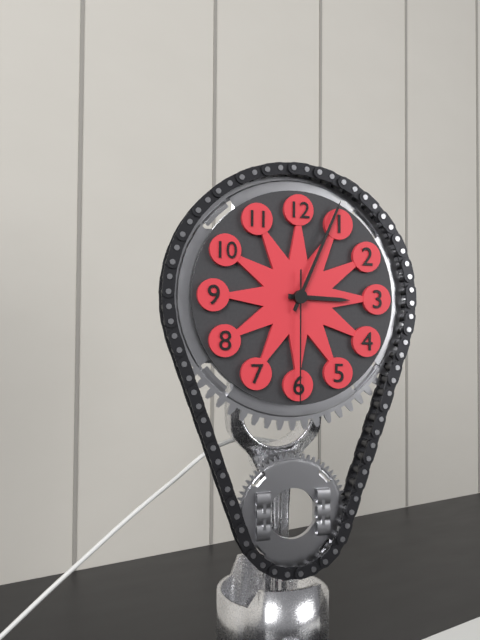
**3:04:30**
